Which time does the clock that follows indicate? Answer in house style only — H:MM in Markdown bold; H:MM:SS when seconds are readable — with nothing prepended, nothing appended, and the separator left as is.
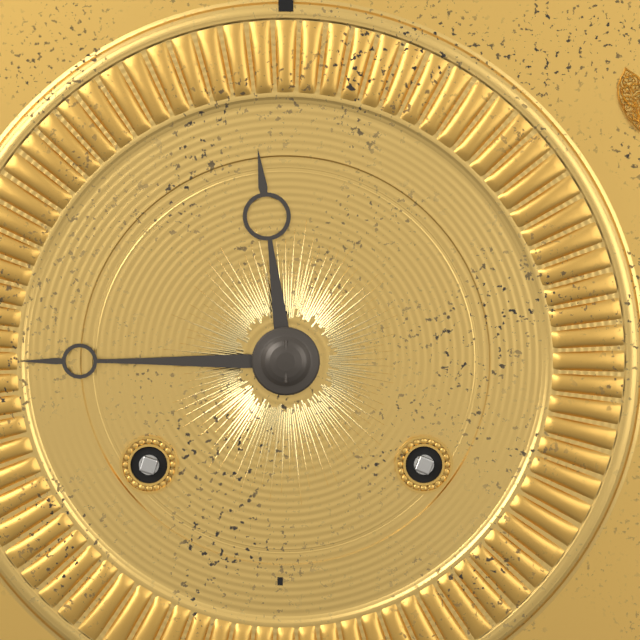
**11:45**
